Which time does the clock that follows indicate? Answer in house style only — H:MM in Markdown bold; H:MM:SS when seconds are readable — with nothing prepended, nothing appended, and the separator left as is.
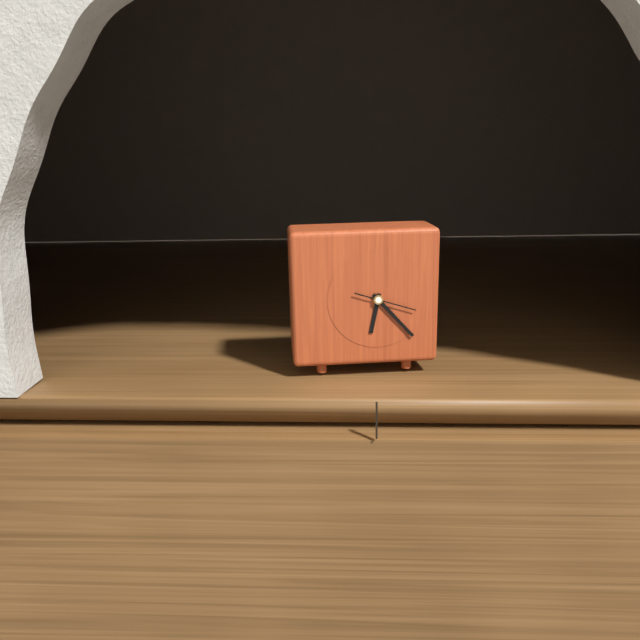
**6:23**
